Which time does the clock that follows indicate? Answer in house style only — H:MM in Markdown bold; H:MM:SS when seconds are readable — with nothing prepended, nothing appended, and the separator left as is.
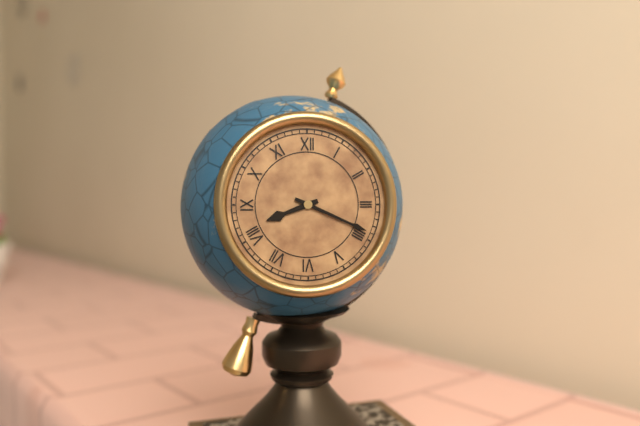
**8:19**
